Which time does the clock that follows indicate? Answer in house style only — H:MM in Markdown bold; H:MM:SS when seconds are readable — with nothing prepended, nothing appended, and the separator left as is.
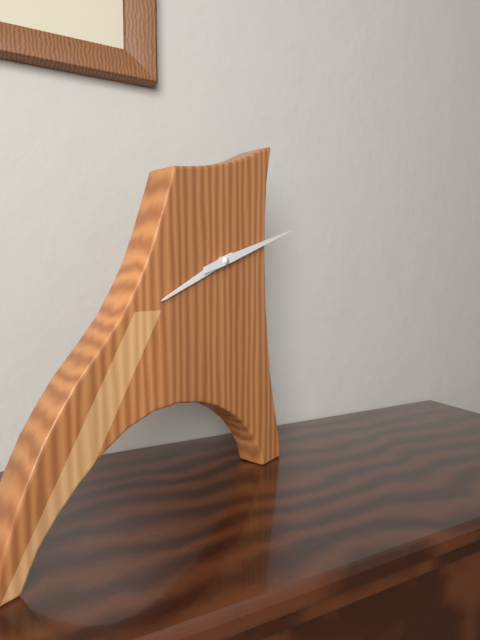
**8:12**
